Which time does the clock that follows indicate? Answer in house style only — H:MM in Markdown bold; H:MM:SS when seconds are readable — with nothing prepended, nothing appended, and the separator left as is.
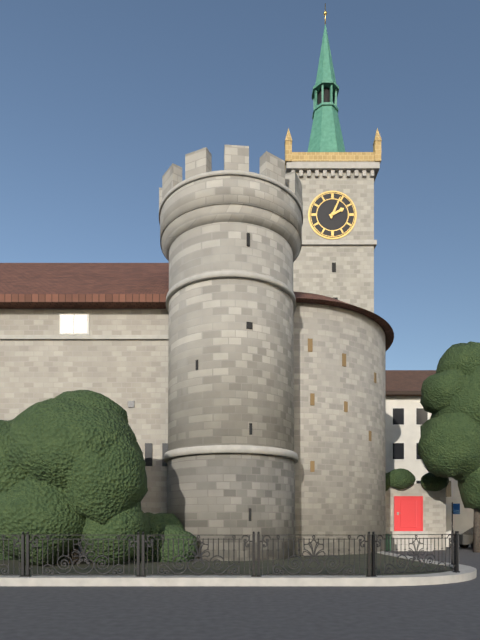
**2:04**
